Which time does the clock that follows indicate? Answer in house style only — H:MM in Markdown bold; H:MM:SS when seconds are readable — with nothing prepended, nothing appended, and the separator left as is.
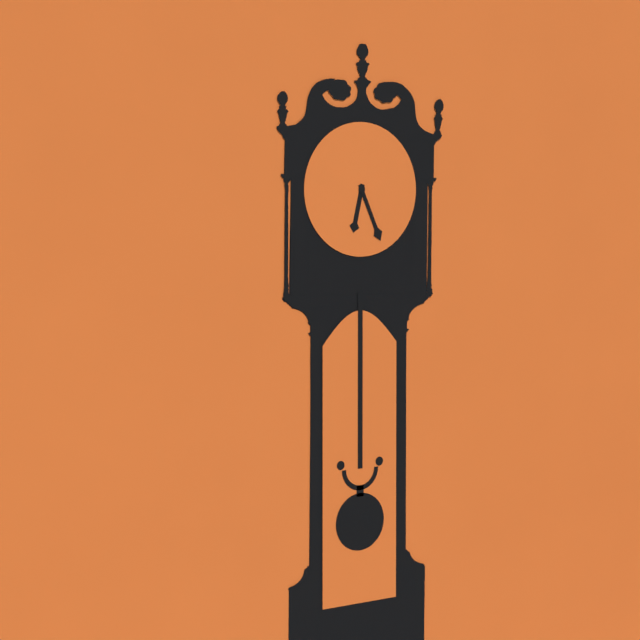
**6:26**
